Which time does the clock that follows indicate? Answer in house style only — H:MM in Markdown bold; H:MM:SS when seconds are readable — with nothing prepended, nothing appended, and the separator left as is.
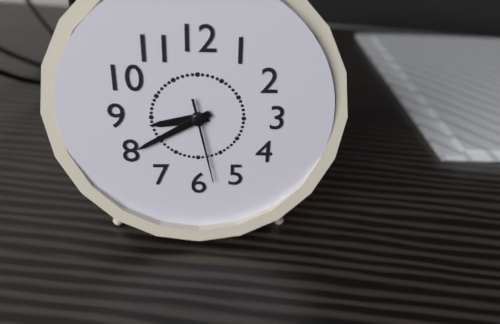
**8:40:28**
